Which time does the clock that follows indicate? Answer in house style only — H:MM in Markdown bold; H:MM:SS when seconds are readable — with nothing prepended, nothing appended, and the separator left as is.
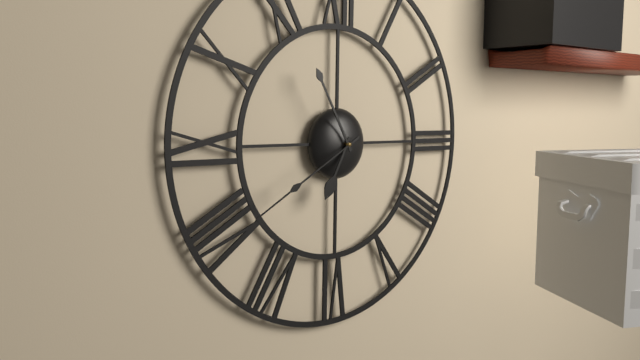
**6:55:40**
